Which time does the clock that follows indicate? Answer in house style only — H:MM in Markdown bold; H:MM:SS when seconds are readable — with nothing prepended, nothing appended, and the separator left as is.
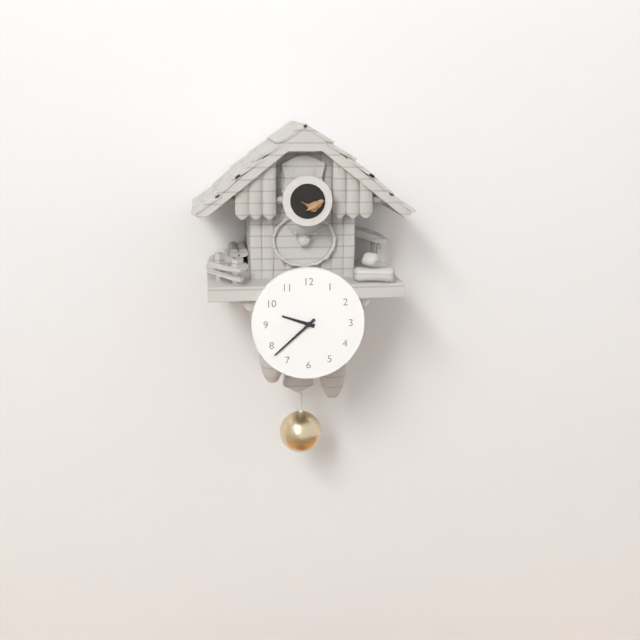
**9:38**
